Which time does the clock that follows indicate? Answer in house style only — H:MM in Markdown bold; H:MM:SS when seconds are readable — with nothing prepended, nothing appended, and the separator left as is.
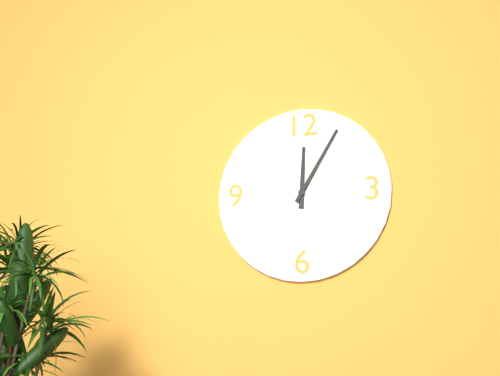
**12:05**
